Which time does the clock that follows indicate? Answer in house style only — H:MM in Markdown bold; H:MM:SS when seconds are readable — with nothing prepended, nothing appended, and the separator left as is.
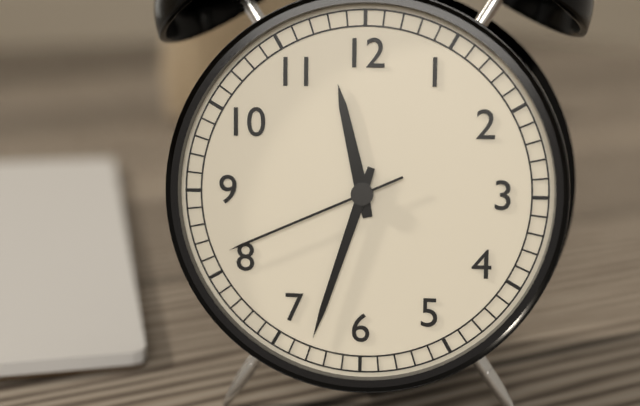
**11:33:41**
